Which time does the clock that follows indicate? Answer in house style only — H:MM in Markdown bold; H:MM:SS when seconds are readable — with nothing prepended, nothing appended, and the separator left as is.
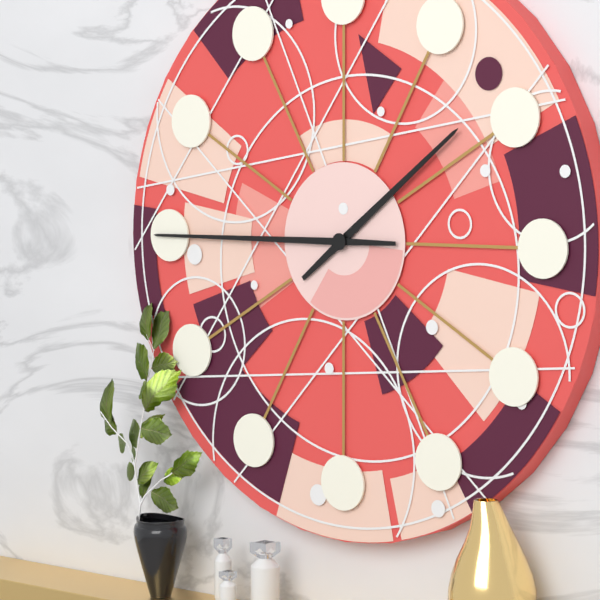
**1:45**
